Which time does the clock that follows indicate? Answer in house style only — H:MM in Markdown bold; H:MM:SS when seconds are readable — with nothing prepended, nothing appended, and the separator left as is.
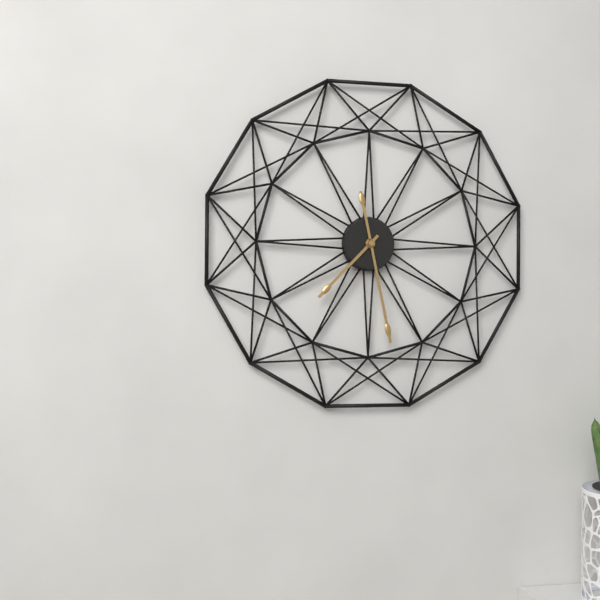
**7:28**
